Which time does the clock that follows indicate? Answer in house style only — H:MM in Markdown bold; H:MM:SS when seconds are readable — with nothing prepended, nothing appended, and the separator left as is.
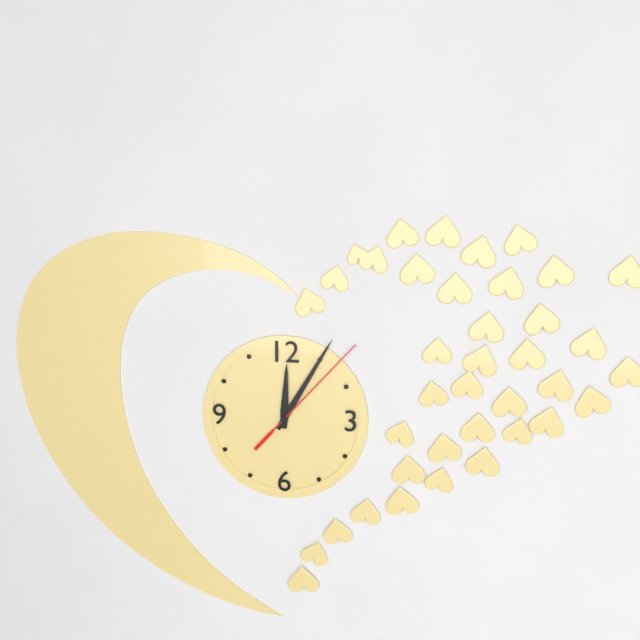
**12:05:07**
